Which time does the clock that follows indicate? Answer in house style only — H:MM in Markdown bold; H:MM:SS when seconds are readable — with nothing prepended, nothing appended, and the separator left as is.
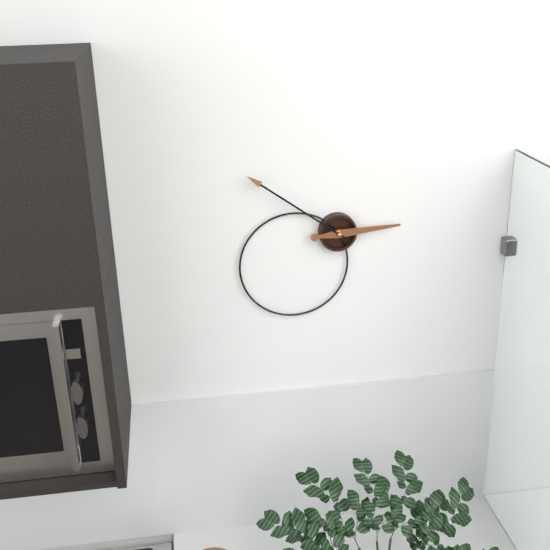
**2:51**
